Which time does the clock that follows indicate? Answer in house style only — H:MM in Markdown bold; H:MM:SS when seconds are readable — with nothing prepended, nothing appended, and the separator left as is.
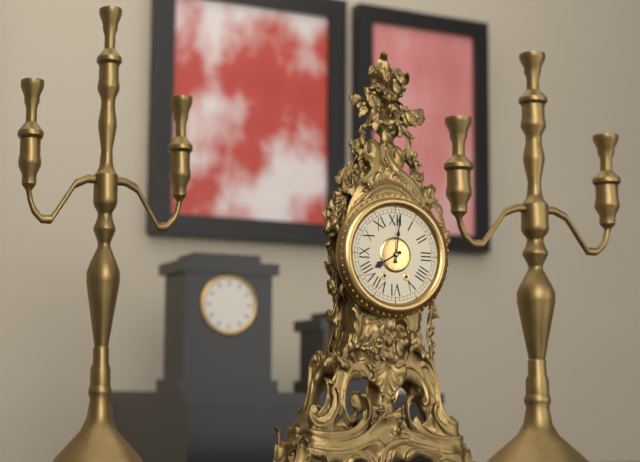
**8:01**
